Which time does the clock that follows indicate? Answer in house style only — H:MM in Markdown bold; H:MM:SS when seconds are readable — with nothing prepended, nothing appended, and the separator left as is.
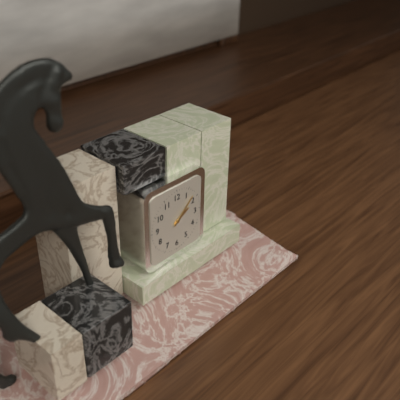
**2:08**
